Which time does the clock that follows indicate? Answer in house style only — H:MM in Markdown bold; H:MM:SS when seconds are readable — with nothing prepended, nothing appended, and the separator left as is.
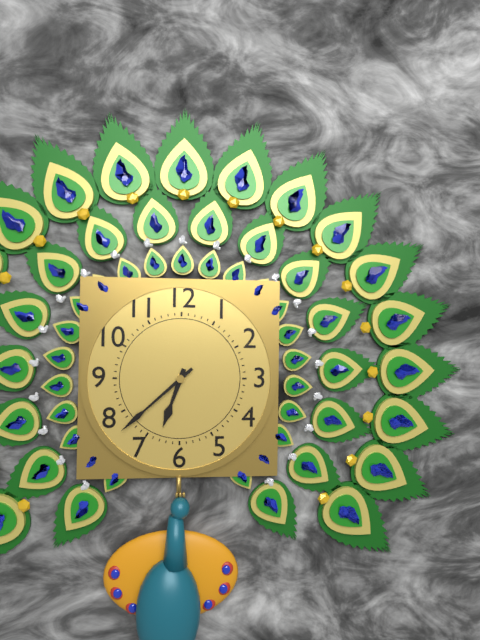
**6:38**
